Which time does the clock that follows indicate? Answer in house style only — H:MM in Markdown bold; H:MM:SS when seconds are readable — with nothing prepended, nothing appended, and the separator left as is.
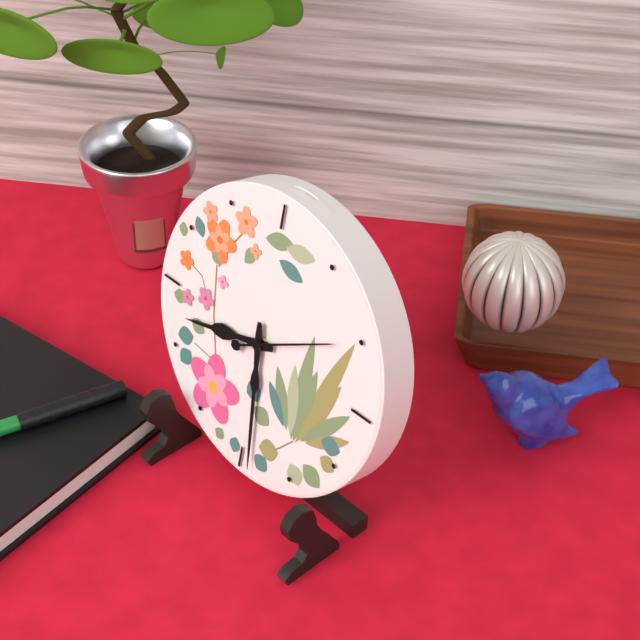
**8:29:10**
